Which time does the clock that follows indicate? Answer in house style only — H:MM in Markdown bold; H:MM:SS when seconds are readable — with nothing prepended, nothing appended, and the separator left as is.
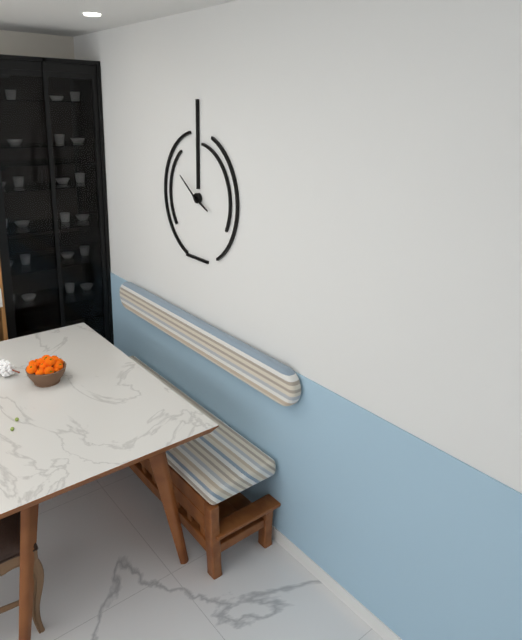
**3:51**
